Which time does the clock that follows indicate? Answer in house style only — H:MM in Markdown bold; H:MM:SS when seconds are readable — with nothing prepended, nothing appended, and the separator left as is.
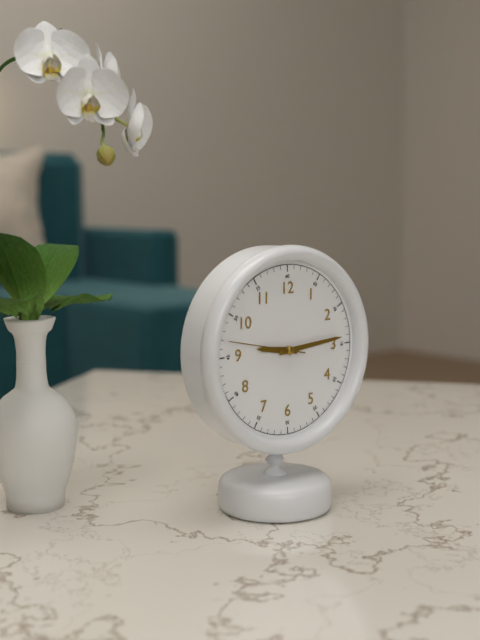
**9:14:47**
